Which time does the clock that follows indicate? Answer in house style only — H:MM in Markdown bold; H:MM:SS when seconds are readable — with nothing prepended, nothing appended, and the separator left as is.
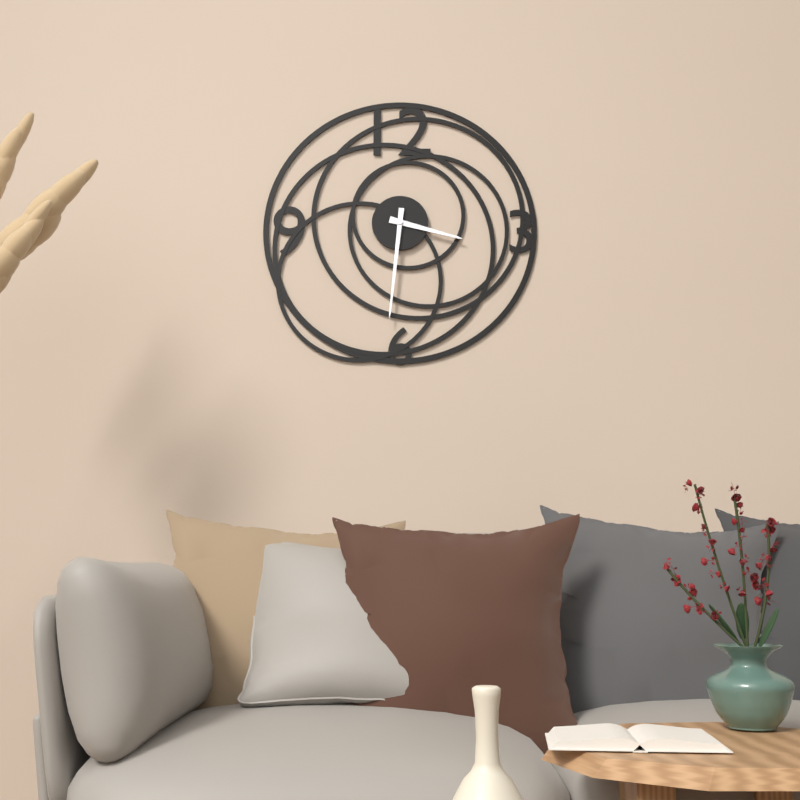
**3:31**
